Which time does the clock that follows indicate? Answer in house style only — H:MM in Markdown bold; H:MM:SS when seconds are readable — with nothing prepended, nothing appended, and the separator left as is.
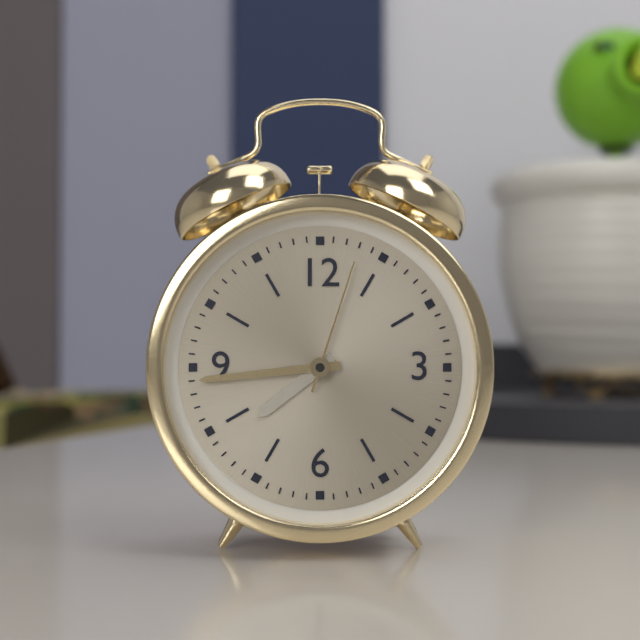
**7:44:03**
